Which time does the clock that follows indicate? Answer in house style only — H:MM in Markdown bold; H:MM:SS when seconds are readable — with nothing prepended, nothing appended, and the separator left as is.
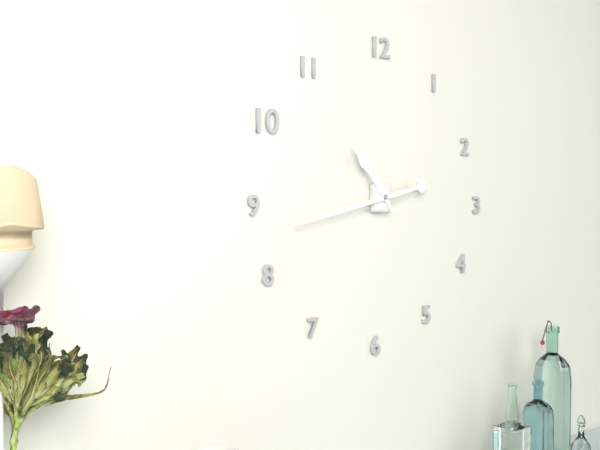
**10:43**
